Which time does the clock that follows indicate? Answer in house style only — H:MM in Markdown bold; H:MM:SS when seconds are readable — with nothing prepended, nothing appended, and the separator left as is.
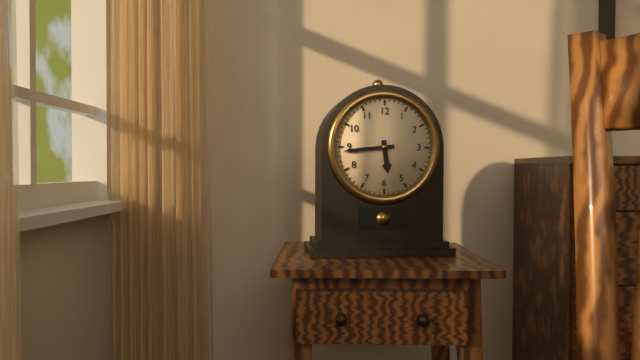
**5:44**
